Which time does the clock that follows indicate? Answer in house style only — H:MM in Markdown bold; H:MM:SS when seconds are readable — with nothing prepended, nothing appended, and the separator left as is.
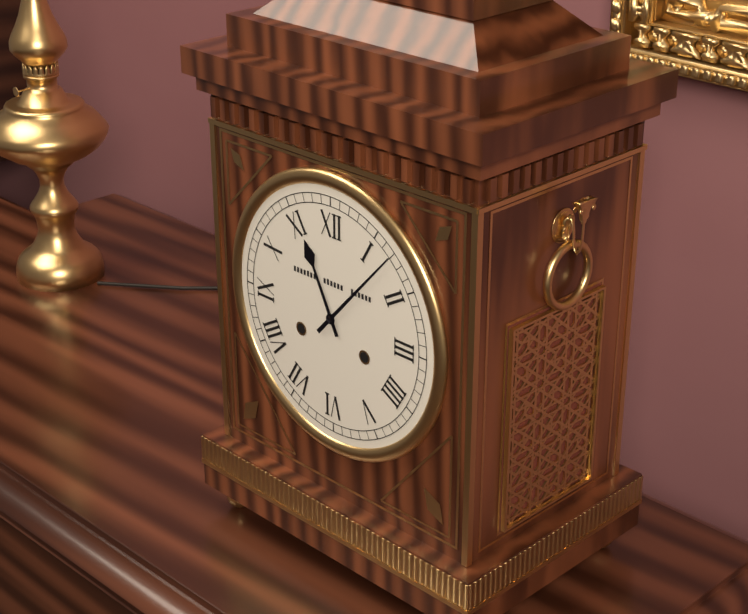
**11:07**
